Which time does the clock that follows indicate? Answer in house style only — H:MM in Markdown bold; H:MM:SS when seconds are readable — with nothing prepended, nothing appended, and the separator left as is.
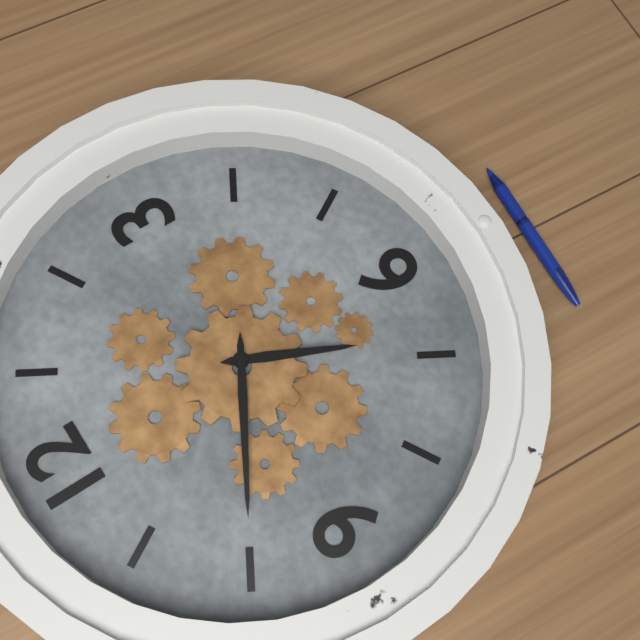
**6:50**
